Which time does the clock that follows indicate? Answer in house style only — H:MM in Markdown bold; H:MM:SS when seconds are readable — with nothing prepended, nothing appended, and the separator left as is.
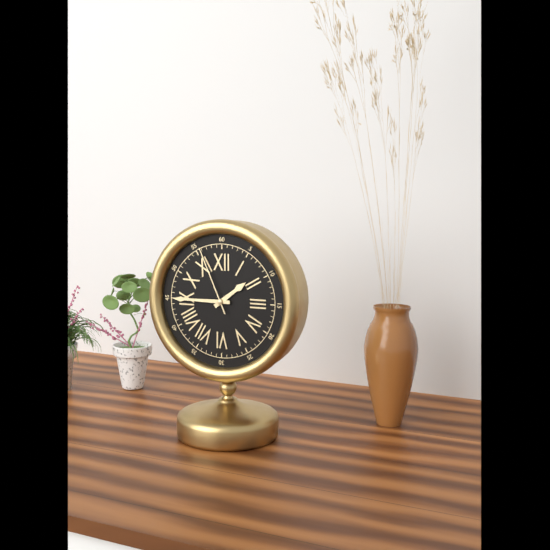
**1:45:56**
